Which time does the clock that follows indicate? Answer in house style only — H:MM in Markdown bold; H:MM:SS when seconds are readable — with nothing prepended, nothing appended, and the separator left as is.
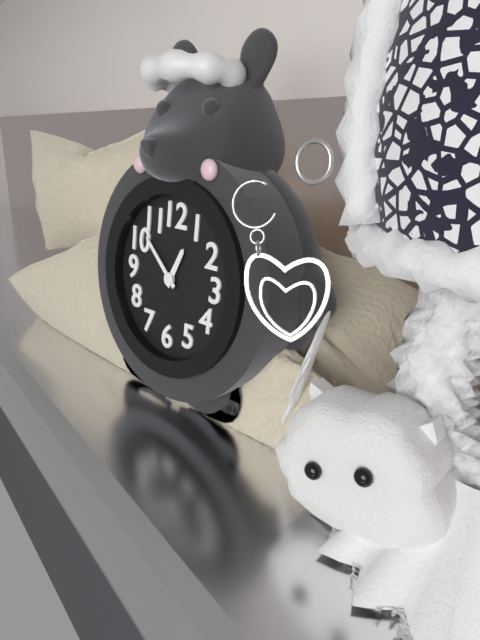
**12:52**
